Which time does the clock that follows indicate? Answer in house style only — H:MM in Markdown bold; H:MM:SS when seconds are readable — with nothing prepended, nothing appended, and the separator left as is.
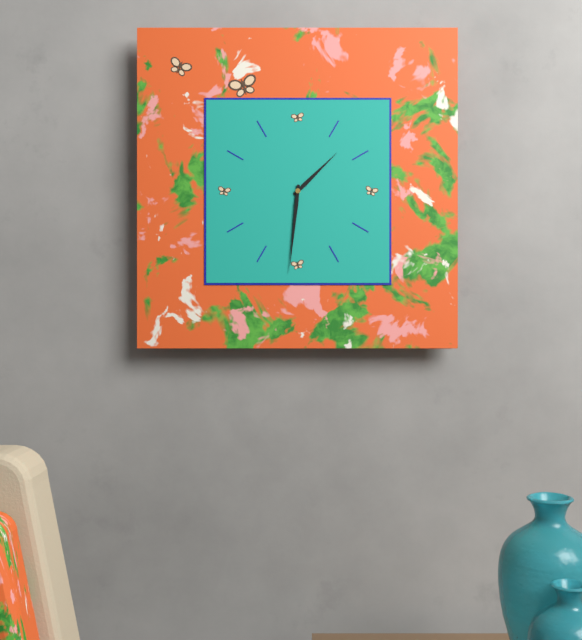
**1:31**
